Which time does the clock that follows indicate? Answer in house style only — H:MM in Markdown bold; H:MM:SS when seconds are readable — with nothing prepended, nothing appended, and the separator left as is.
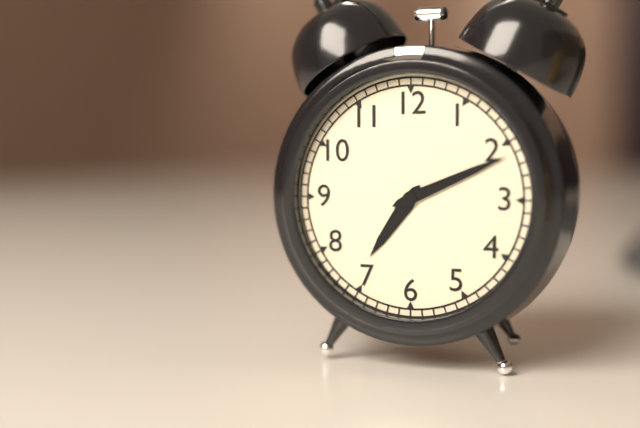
**7:11**
